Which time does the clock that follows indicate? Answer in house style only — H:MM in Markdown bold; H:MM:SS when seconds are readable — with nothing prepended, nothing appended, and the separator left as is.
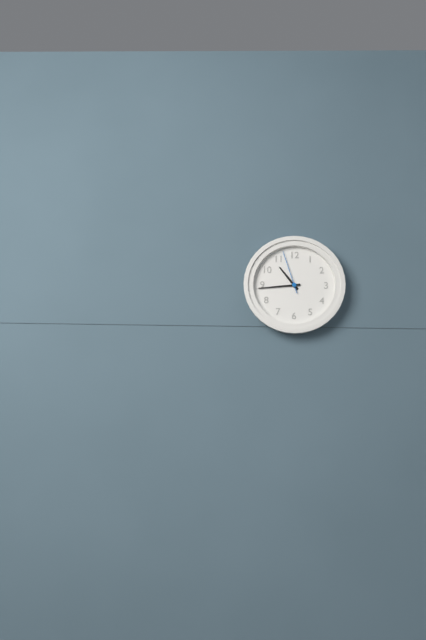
**10:44**
